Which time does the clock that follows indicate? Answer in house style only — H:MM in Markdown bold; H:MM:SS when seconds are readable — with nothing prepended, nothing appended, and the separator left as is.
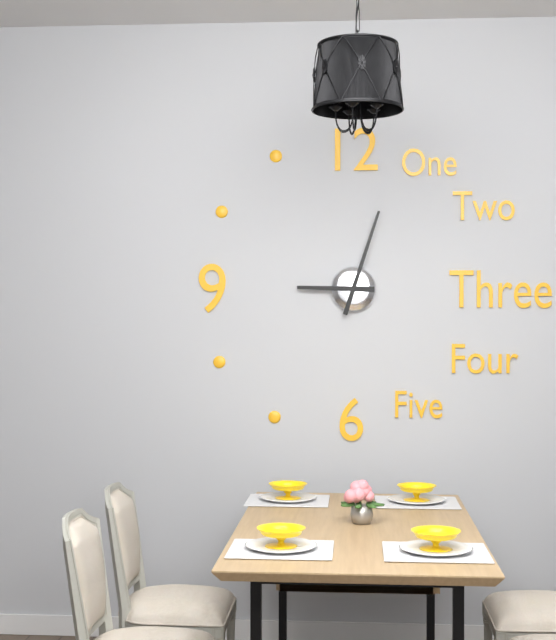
**9:03**
